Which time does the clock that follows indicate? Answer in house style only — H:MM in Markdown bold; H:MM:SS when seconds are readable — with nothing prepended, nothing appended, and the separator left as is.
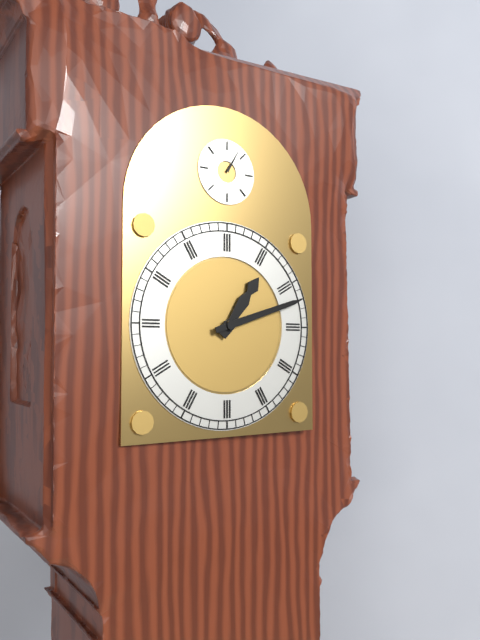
**1:12**
